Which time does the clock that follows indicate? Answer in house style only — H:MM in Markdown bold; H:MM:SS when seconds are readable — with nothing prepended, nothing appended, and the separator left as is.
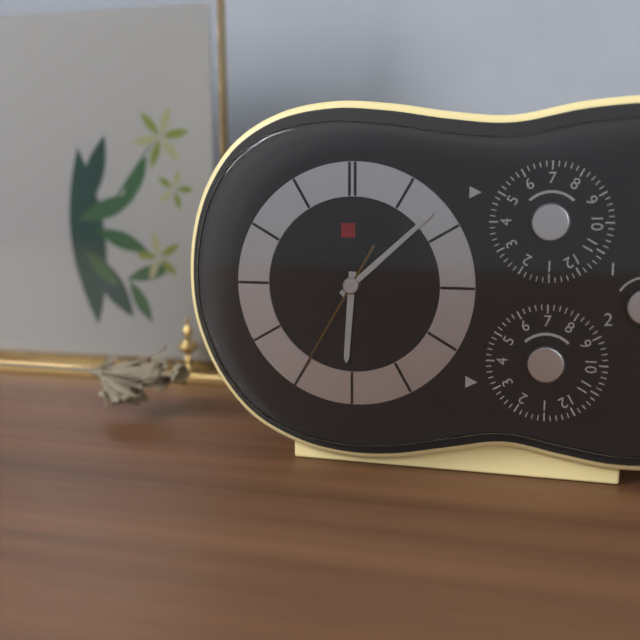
**6:08:35**
